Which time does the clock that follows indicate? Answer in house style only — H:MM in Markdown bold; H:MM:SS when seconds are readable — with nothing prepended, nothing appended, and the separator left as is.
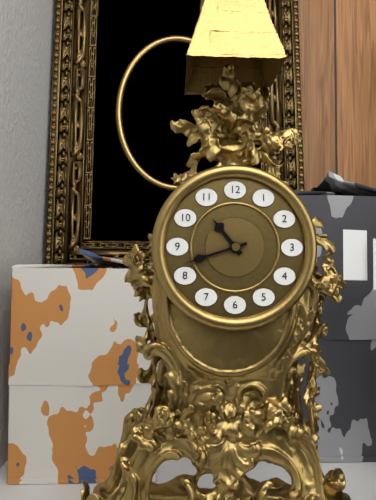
**10:42**
